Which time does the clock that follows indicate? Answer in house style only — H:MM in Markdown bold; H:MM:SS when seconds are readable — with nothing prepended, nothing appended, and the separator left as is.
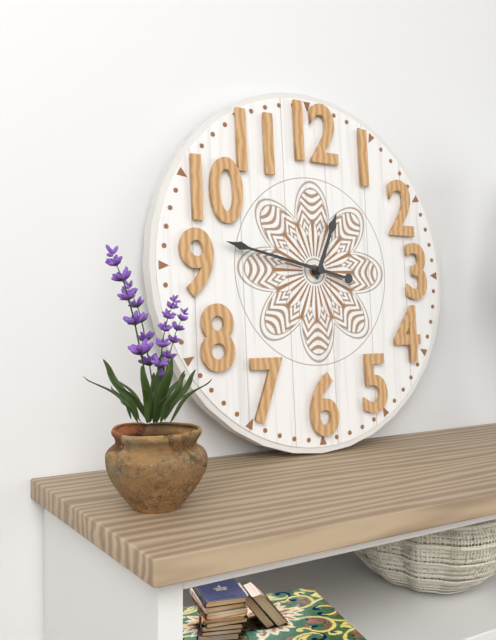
**12:47**
